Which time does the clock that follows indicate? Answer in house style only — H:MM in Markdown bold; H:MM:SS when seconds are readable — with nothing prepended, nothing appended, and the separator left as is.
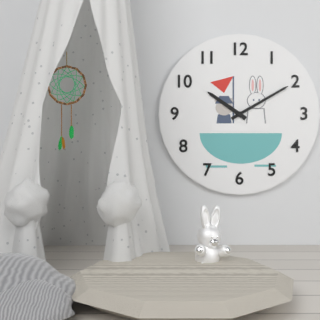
**10:10**
